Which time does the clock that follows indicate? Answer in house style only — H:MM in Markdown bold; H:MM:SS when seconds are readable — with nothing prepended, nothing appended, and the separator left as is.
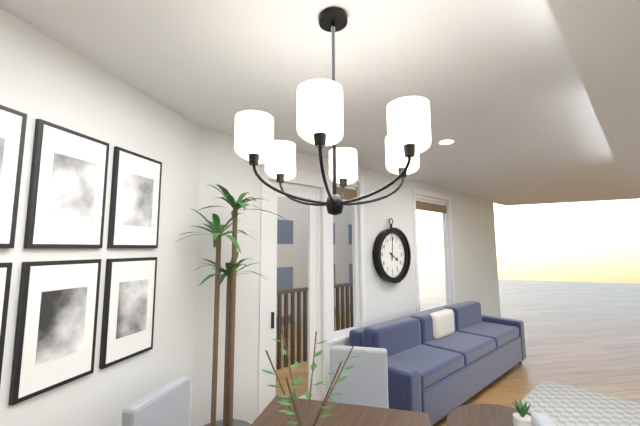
**4:01**
